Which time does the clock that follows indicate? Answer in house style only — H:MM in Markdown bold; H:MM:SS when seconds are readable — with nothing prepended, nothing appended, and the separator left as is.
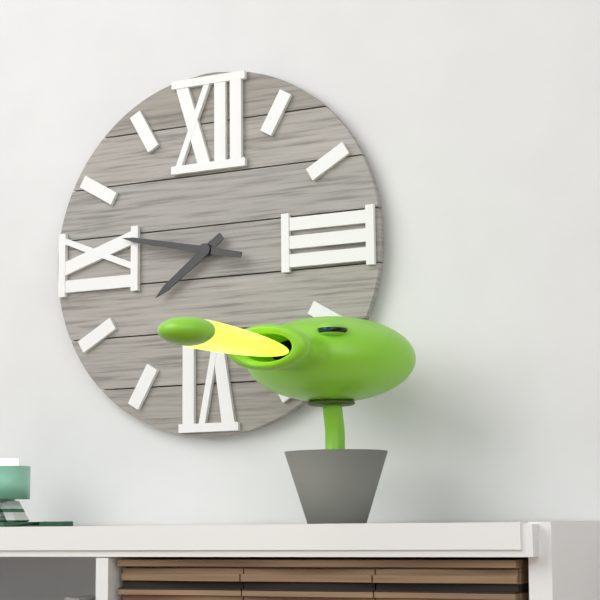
**7:47**
